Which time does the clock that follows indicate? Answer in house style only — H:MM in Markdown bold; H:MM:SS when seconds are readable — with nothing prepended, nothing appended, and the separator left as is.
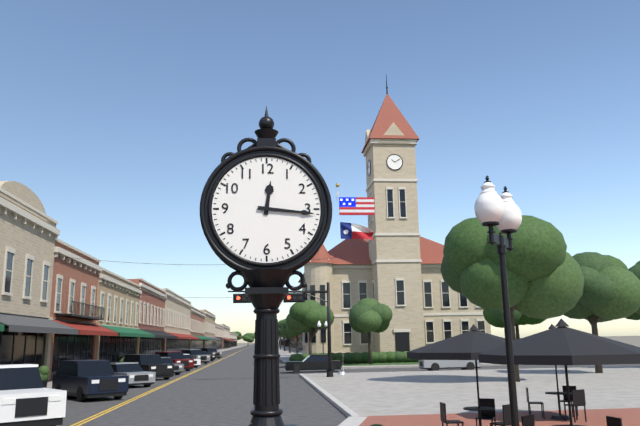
**12:16**
